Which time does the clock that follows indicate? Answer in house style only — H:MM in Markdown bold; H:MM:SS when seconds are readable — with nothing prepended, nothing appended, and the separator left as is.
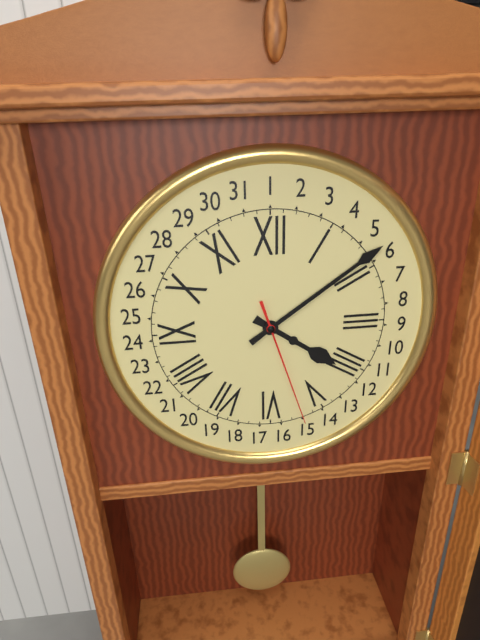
**4:09:27**
